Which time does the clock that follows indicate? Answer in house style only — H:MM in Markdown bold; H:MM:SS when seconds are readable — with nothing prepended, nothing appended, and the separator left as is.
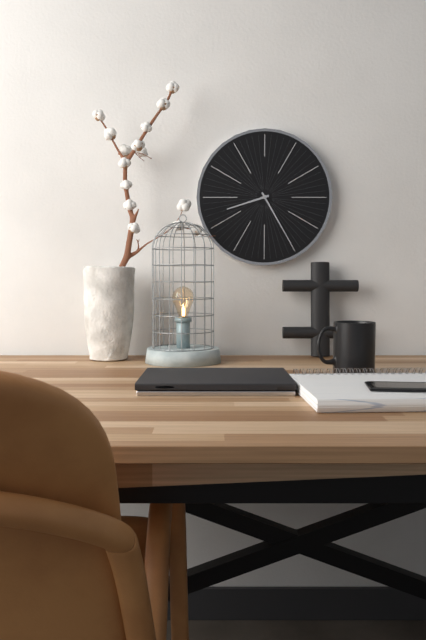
**8:25**
